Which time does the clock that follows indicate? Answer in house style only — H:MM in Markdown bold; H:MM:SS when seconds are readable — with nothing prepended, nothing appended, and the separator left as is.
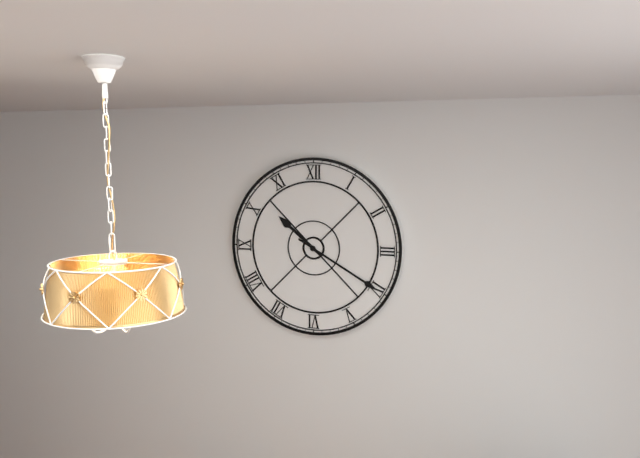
**10:20**
